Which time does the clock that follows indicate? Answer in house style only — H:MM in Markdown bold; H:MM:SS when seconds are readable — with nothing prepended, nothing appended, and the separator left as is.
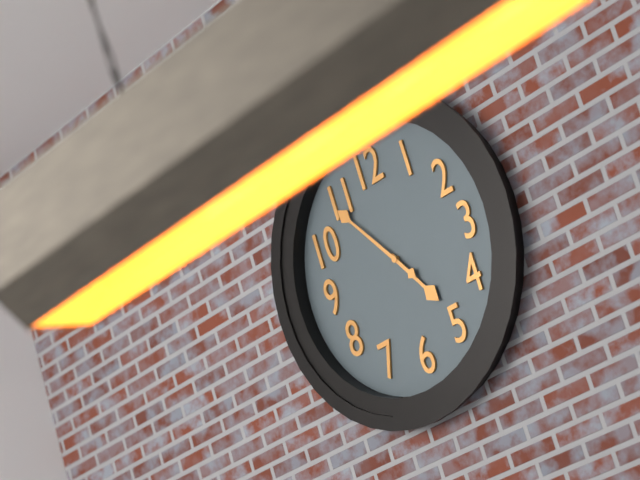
**4:54**
